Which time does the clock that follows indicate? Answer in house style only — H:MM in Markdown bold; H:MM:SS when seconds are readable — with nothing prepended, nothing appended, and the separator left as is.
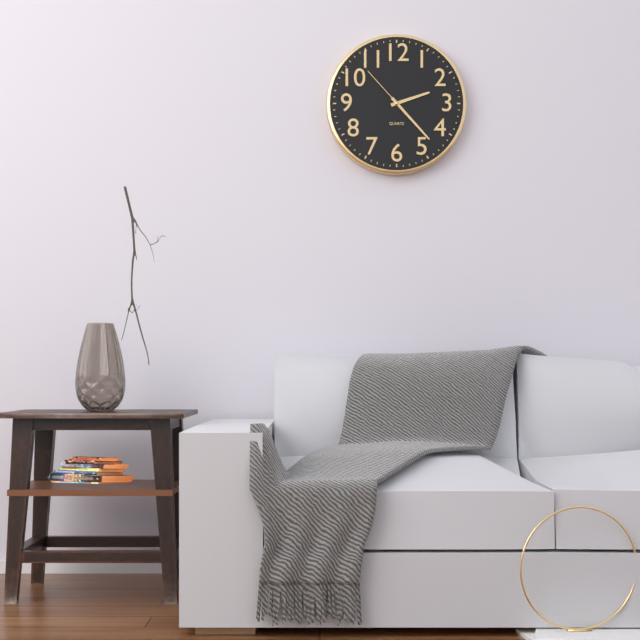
**2:23:53**
